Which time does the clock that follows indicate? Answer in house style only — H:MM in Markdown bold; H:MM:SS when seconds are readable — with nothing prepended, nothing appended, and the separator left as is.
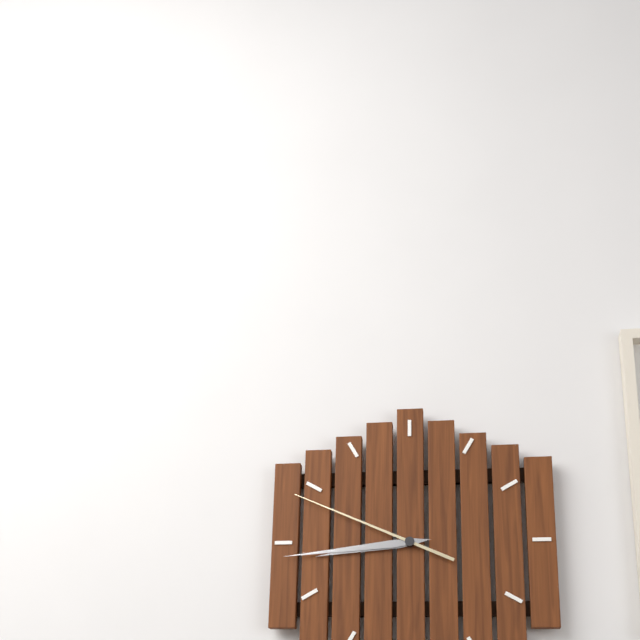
**8:44:49**
